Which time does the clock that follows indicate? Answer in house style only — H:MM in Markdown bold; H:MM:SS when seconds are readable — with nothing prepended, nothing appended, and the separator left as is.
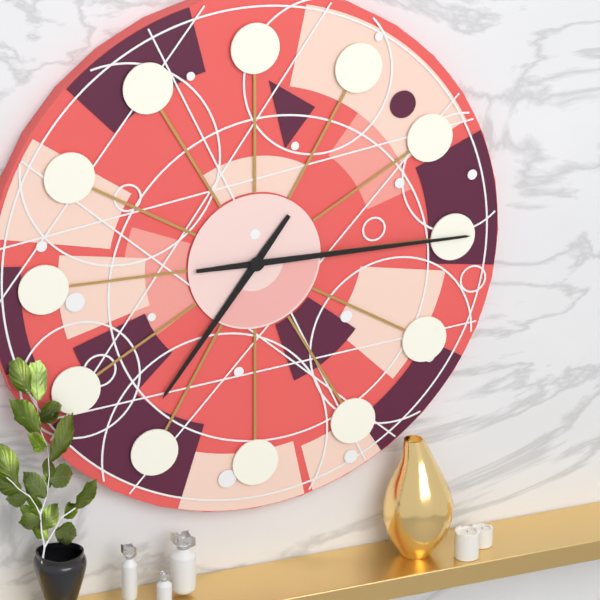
**7:15**
